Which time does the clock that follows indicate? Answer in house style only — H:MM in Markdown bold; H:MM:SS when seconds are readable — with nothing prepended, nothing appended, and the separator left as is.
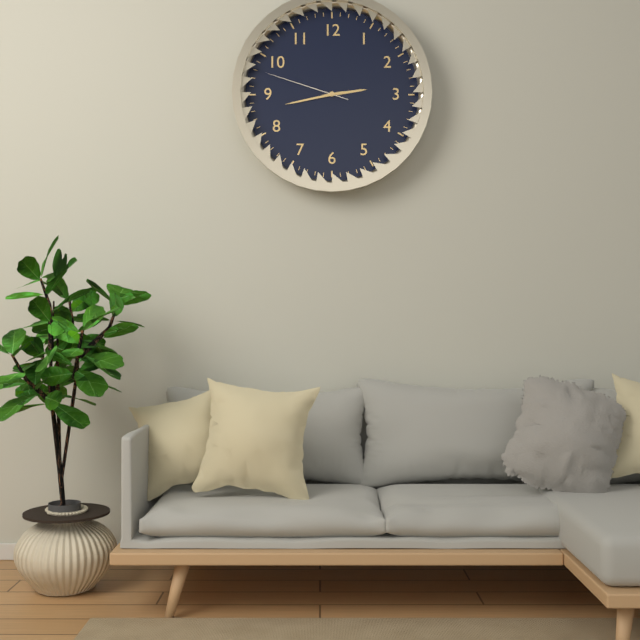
**2:43:48**
